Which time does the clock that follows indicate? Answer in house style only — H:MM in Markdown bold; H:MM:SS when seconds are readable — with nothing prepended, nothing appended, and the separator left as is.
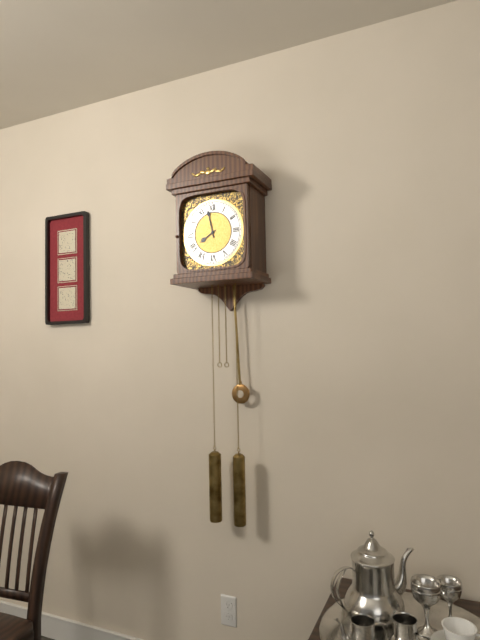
**7:58**
